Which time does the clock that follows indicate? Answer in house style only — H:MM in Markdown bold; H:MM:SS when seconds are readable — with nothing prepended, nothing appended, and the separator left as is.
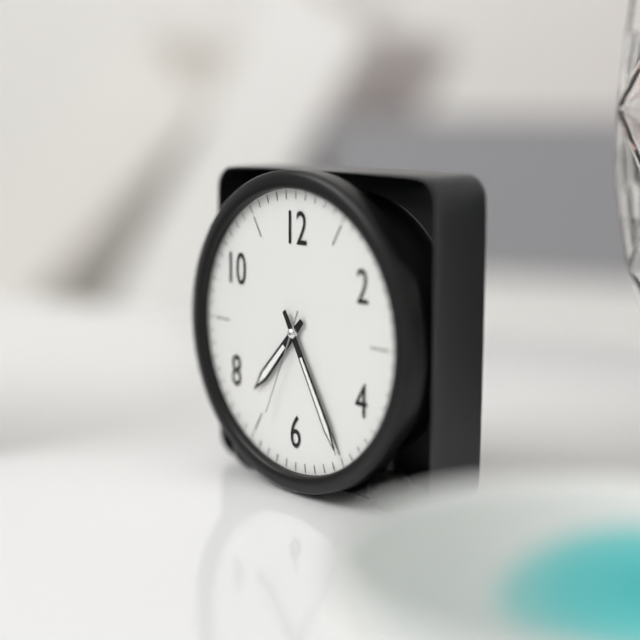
**7:25:34**
